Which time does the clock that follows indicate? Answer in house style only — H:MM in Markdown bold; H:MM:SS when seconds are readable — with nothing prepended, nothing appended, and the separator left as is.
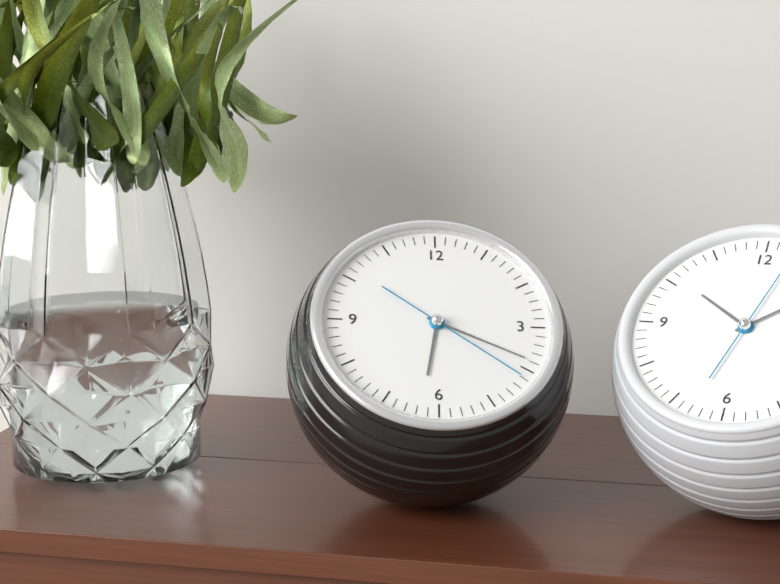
**6:19:21**
